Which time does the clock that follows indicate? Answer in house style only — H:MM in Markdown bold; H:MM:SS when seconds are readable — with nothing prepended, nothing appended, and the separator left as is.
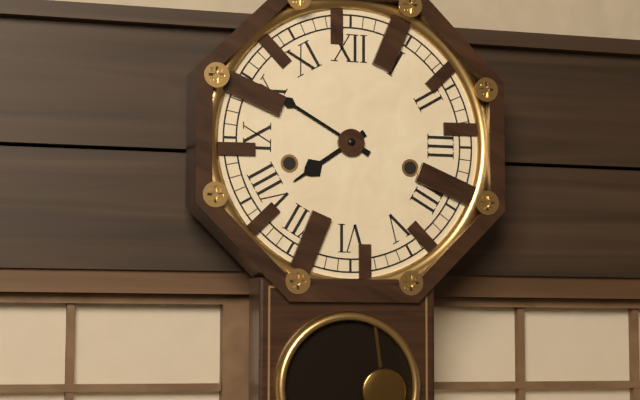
**7:50**
